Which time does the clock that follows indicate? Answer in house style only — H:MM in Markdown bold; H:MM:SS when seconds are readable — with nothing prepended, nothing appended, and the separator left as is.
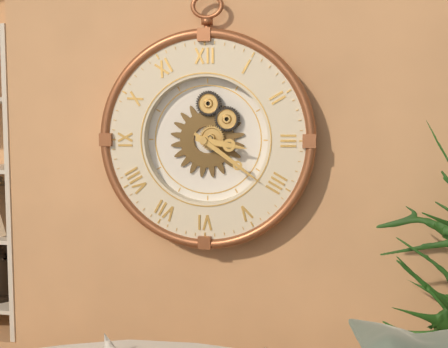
**3:21**
